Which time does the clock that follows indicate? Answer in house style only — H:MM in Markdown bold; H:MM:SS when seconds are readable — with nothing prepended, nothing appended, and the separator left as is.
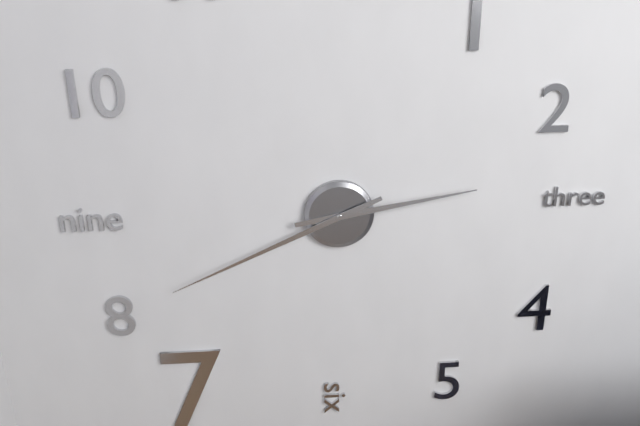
**2:41**
